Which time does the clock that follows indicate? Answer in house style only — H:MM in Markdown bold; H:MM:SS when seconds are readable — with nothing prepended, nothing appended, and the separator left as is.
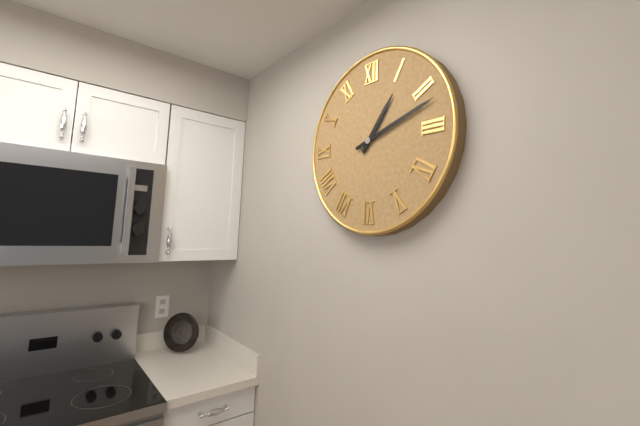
**1:12**
